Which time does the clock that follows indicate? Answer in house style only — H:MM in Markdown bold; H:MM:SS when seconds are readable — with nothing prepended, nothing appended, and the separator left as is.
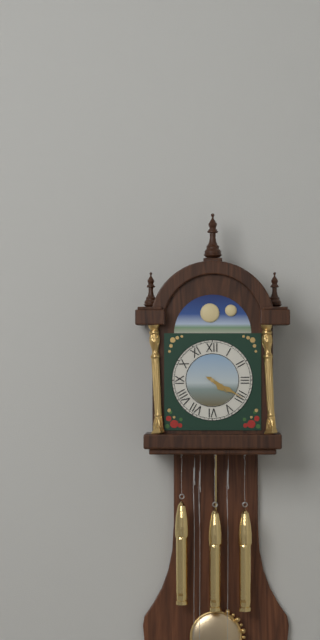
**4:20**
